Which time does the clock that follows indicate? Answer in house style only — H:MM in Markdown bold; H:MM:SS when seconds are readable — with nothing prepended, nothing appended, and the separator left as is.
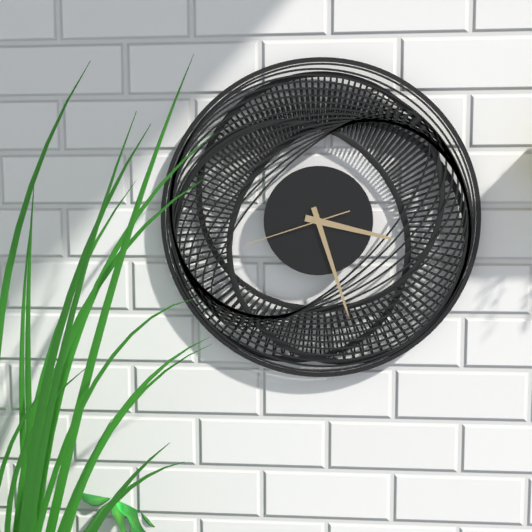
**3:27:42**
